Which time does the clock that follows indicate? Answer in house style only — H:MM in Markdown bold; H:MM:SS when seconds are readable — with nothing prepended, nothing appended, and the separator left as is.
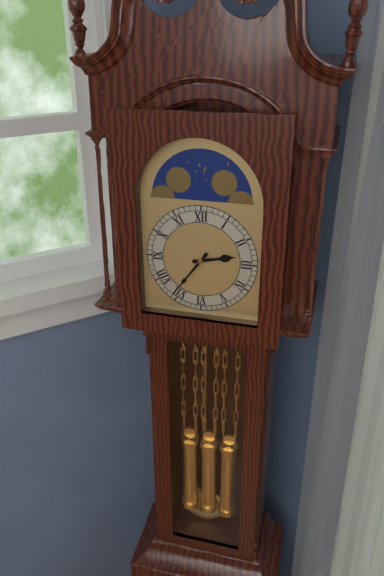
**2:36**
